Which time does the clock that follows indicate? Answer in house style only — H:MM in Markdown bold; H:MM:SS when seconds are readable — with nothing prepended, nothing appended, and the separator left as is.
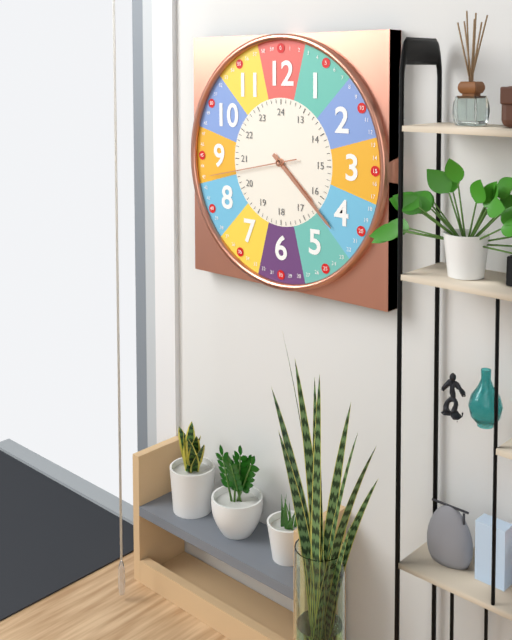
**4:22:43**
